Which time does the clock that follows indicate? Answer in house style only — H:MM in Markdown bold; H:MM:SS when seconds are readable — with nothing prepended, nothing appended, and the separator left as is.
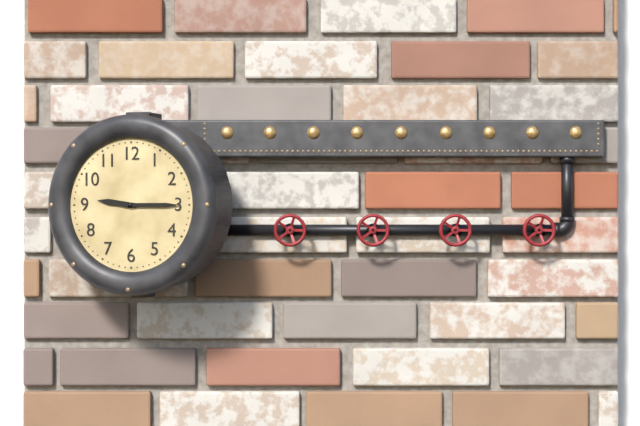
**9:15**
